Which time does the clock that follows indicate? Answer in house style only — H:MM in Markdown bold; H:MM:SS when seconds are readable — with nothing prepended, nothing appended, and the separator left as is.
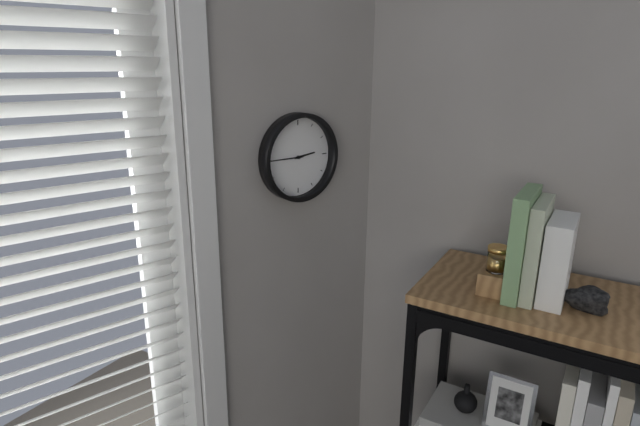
**2:45**
